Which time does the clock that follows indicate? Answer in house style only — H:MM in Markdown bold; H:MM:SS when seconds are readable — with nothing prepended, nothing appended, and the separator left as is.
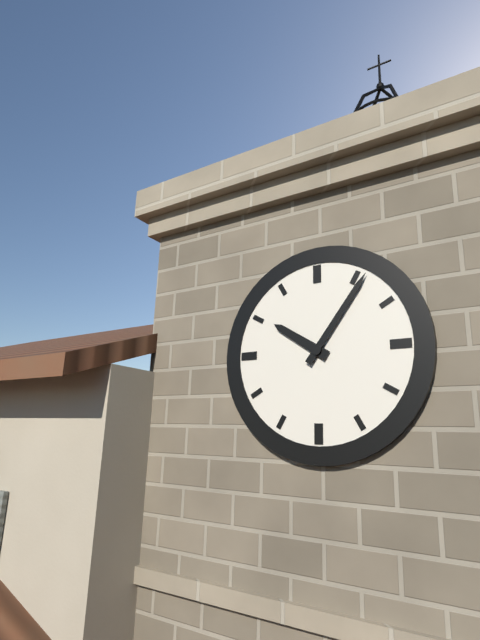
**10:06**
